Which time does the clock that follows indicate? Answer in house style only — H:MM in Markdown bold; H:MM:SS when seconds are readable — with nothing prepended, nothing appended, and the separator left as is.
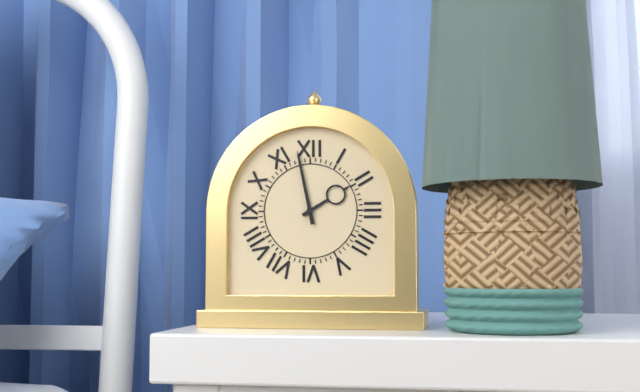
**1:58**
